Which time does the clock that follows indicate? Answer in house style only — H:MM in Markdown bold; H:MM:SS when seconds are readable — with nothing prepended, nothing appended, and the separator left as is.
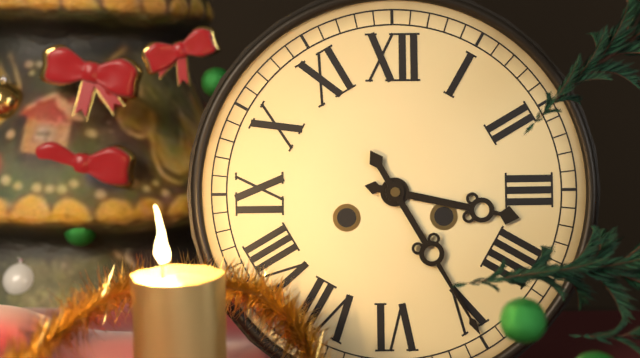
**3:25**
